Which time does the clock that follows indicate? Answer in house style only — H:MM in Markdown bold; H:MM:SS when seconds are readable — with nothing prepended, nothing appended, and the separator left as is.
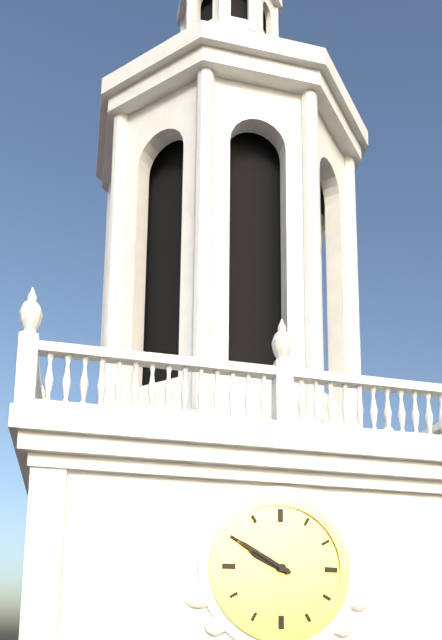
**9:50**
